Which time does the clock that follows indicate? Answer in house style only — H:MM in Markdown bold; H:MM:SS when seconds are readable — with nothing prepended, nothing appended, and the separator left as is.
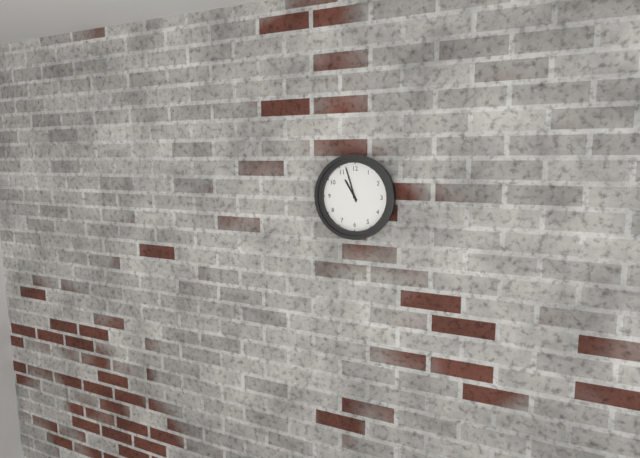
**10:57**
